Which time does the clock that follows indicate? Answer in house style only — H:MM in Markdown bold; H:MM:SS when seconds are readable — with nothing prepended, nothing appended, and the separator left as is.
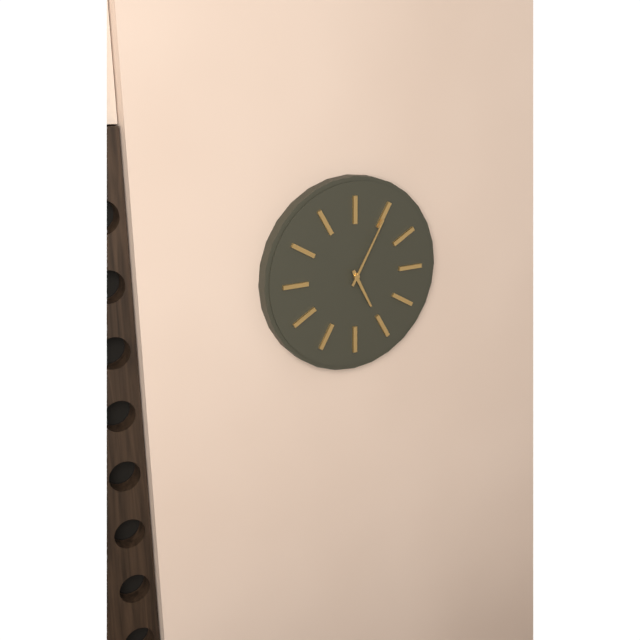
**5:05**
